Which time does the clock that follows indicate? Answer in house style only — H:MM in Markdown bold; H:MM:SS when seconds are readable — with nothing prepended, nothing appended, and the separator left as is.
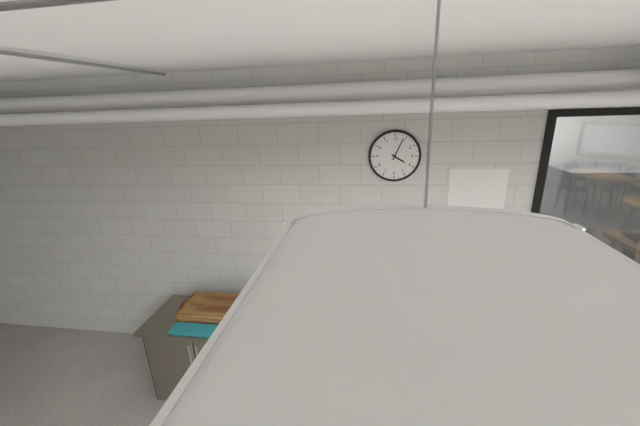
**4:04**
